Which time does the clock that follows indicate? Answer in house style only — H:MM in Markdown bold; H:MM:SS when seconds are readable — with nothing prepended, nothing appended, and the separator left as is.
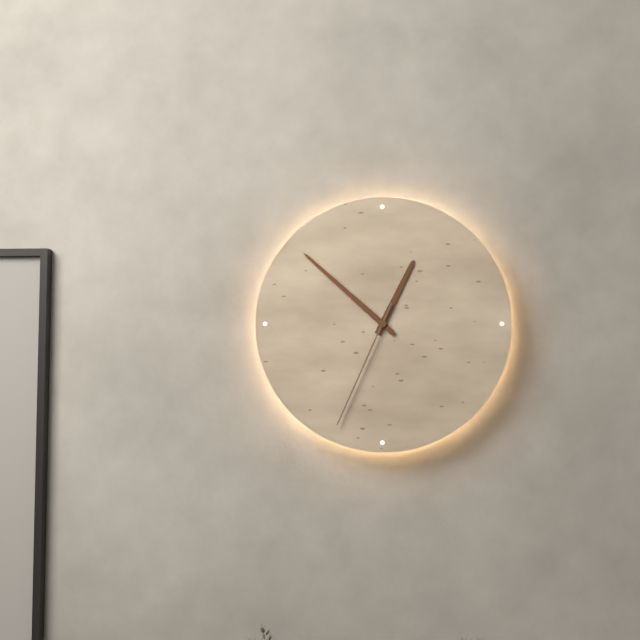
**12:52:34**
